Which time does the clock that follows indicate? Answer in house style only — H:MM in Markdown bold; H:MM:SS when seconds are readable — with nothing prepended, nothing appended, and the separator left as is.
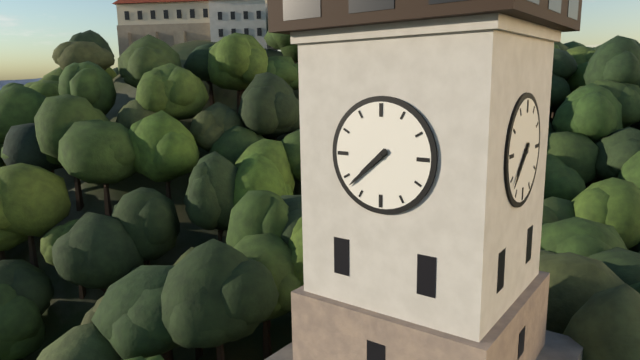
**7:38**
